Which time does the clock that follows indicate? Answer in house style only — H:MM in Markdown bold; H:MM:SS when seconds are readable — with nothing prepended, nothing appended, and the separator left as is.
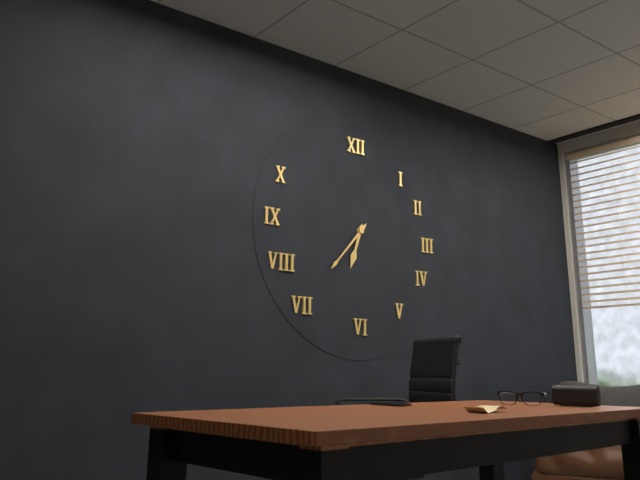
**6:37**
